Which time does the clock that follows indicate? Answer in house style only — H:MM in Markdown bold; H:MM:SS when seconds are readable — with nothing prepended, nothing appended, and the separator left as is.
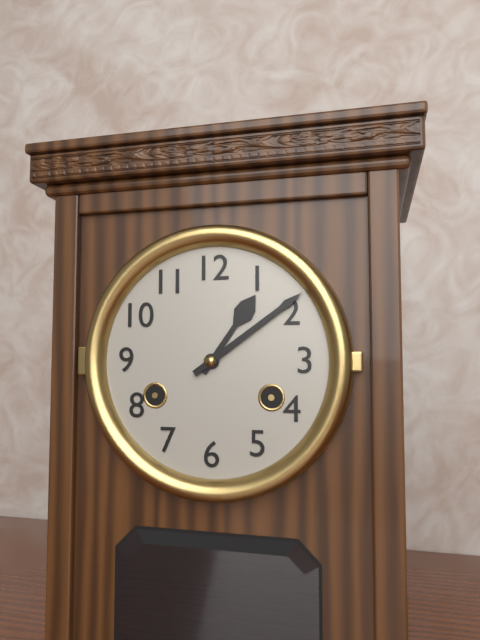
**1:09**
